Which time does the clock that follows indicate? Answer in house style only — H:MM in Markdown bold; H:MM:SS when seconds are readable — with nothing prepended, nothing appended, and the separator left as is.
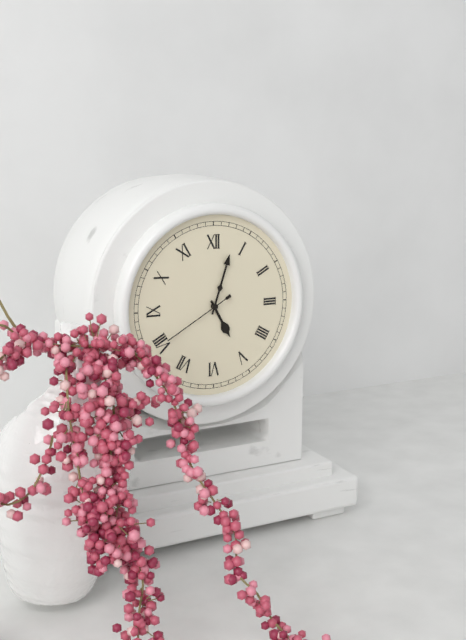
**5:03:40**
